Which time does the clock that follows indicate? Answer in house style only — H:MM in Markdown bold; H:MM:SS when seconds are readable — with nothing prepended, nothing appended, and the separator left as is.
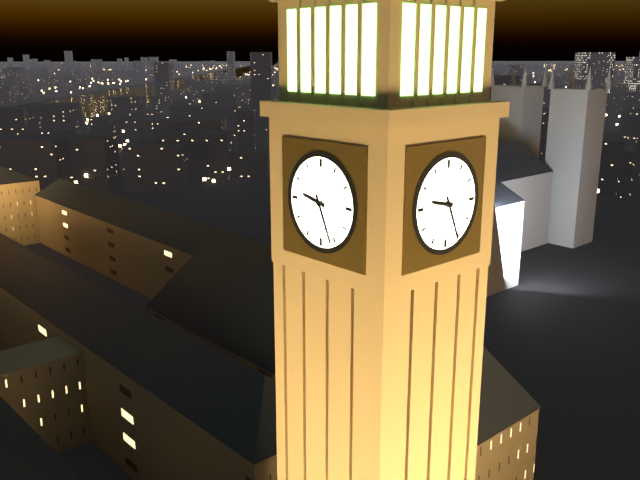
**9:26**
